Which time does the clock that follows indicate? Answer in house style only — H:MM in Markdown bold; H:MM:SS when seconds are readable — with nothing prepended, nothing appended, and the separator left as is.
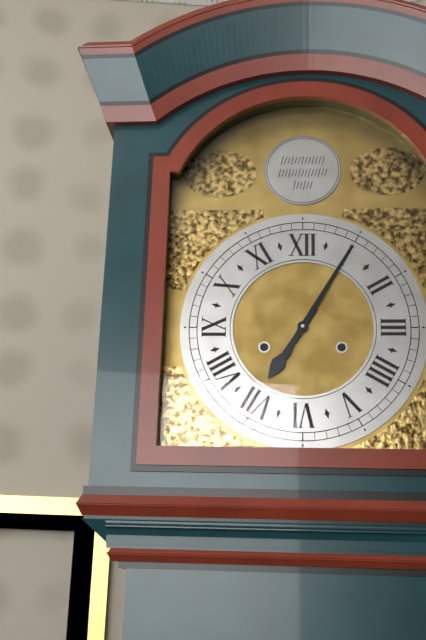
**7:05**
